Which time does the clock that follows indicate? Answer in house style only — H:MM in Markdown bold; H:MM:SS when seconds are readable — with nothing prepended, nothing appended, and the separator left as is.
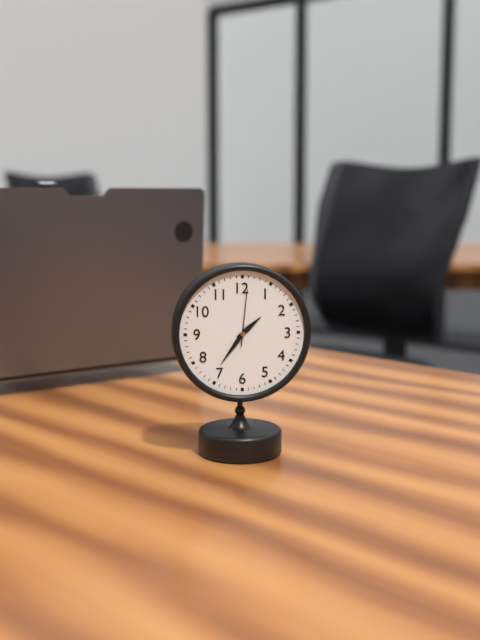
**1:36:01**
